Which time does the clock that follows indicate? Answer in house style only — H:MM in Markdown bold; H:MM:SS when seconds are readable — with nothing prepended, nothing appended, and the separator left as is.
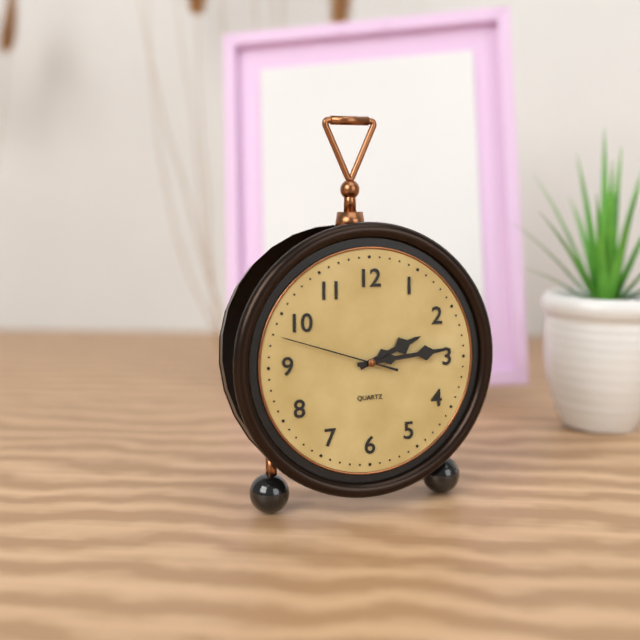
**2:14:48**
